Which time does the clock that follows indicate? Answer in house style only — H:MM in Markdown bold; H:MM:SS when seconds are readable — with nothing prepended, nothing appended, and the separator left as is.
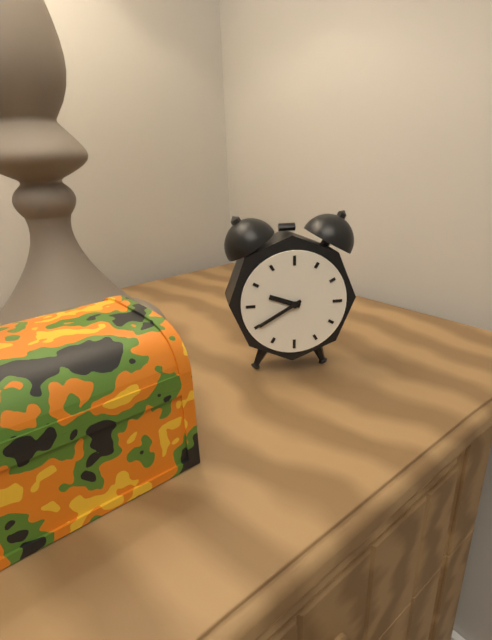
**9:40**
